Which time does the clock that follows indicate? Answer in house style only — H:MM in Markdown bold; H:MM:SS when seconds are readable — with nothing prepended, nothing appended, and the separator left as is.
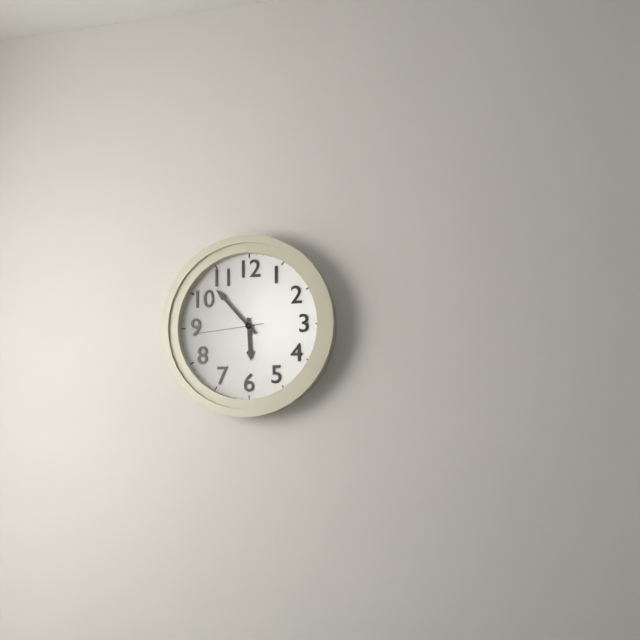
**5:53:44**
